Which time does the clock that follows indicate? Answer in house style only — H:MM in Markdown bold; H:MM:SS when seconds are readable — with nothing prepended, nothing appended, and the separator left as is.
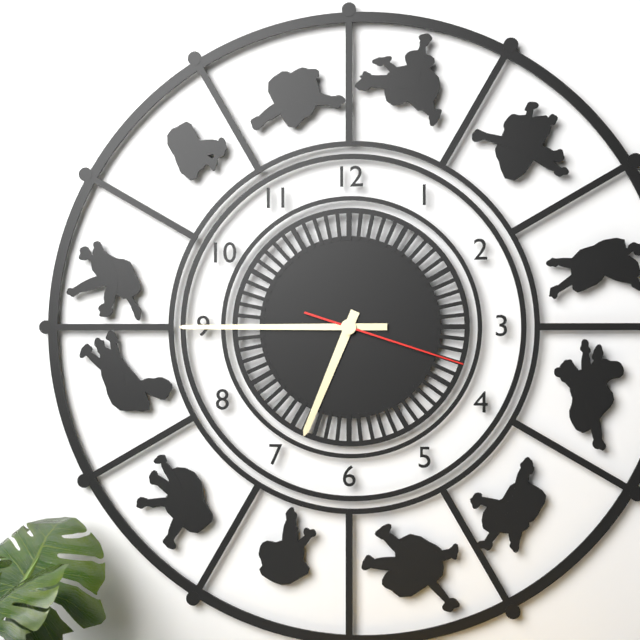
**6:45:18**
